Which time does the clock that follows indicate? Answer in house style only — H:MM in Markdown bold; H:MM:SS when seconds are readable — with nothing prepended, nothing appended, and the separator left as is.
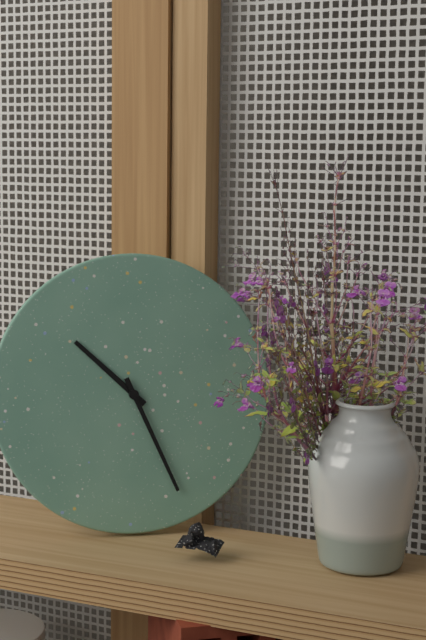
**10:26**
